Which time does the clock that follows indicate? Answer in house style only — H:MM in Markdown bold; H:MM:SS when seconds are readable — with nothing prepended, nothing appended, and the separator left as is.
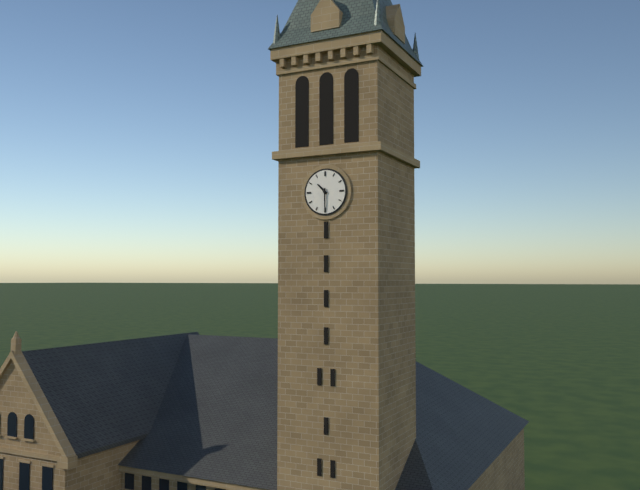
**10:30**
